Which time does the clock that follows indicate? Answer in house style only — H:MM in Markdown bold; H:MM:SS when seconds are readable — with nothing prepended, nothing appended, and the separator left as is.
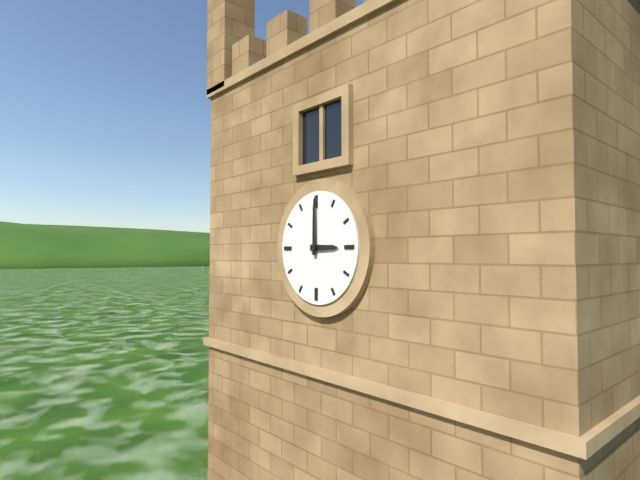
**3:00**
